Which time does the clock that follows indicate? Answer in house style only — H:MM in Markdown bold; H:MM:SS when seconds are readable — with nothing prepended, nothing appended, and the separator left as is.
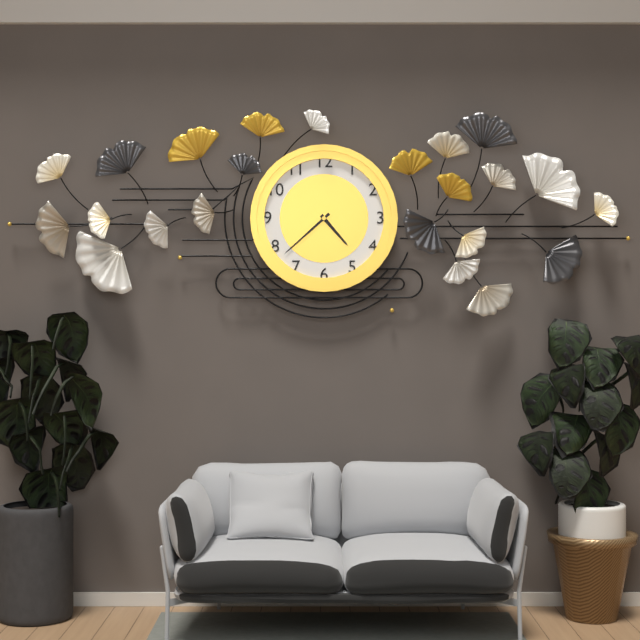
**4:38**
